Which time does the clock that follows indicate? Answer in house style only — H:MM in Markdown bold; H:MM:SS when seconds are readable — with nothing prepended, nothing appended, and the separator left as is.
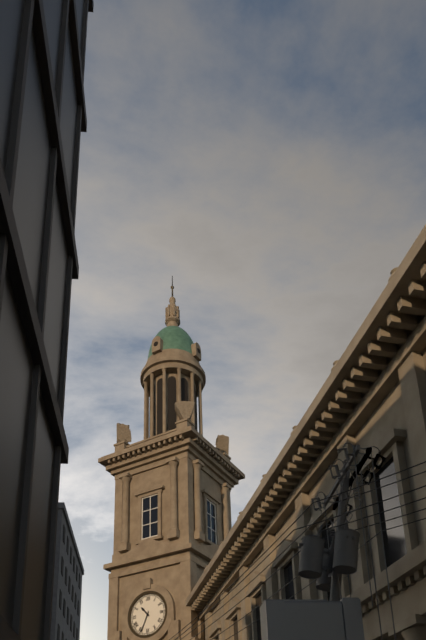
**10:34**
